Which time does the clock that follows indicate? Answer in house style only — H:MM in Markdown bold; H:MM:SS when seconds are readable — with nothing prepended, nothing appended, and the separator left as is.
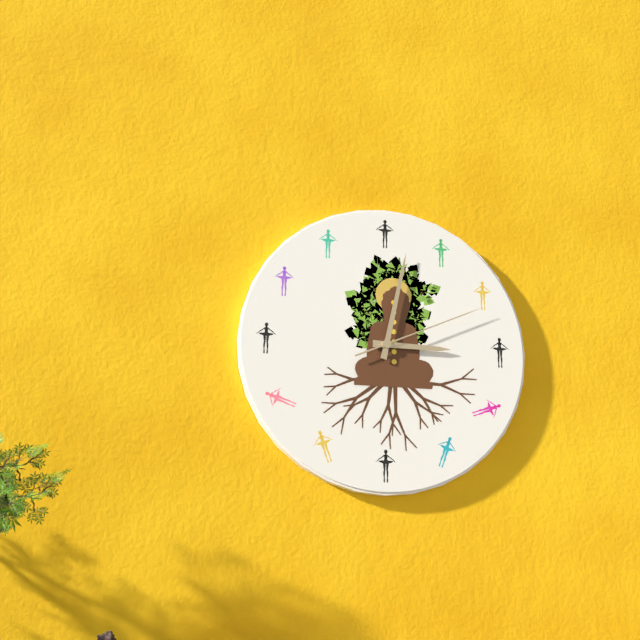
**3:02:11**
